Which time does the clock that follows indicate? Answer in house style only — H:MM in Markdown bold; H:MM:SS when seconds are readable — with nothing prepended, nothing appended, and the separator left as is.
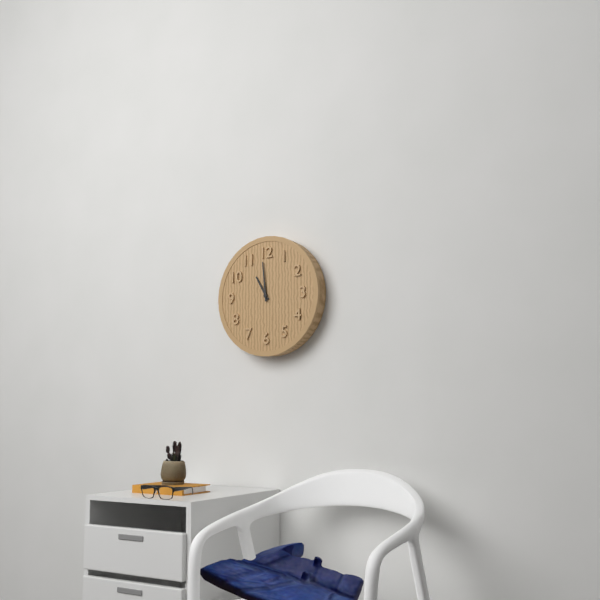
**10:59**
